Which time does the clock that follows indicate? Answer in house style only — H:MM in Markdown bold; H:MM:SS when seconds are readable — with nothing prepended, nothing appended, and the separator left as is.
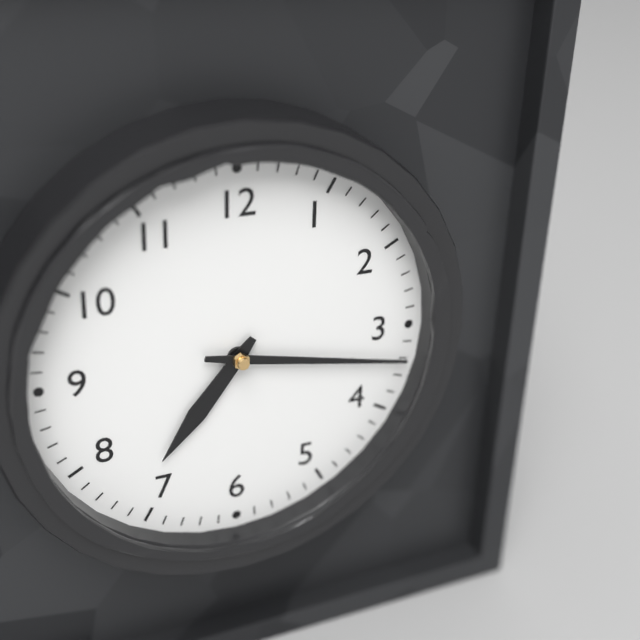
**7:17**
